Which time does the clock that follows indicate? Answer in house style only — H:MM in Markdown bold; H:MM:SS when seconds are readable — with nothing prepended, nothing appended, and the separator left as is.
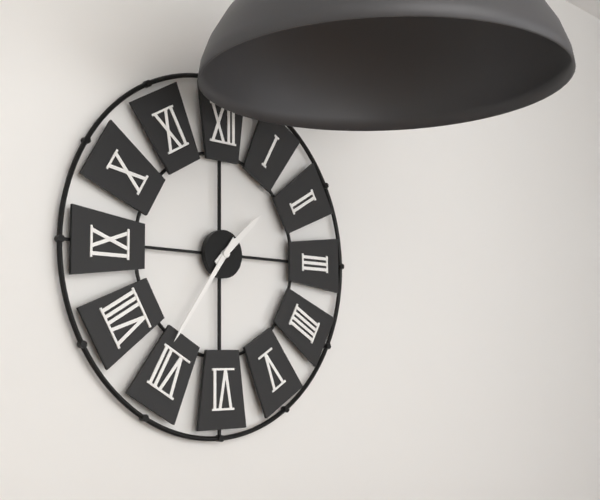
**1:36**
